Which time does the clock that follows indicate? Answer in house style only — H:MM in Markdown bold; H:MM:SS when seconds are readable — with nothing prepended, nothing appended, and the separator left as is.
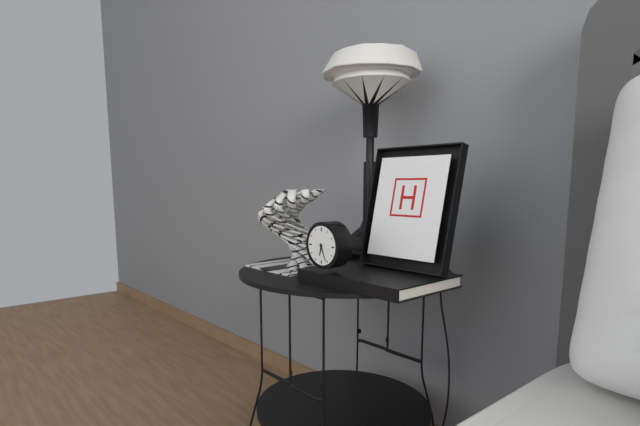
**6:26**
